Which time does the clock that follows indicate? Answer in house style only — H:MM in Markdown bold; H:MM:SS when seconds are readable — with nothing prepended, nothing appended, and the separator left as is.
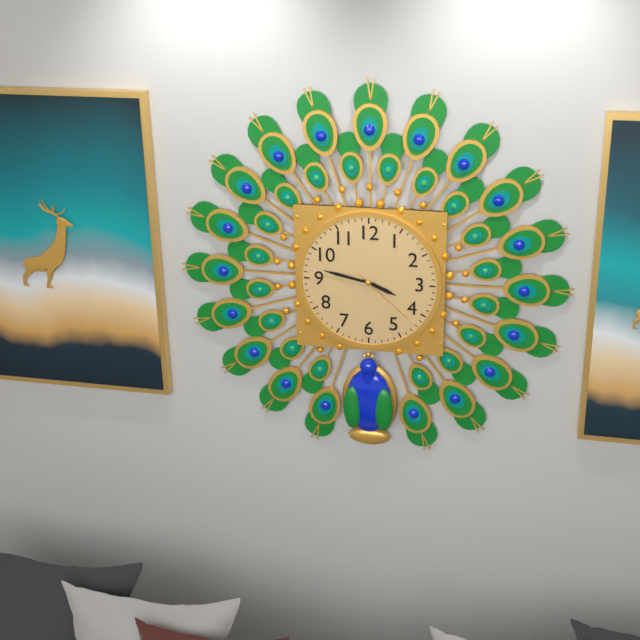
**3:47:22**
